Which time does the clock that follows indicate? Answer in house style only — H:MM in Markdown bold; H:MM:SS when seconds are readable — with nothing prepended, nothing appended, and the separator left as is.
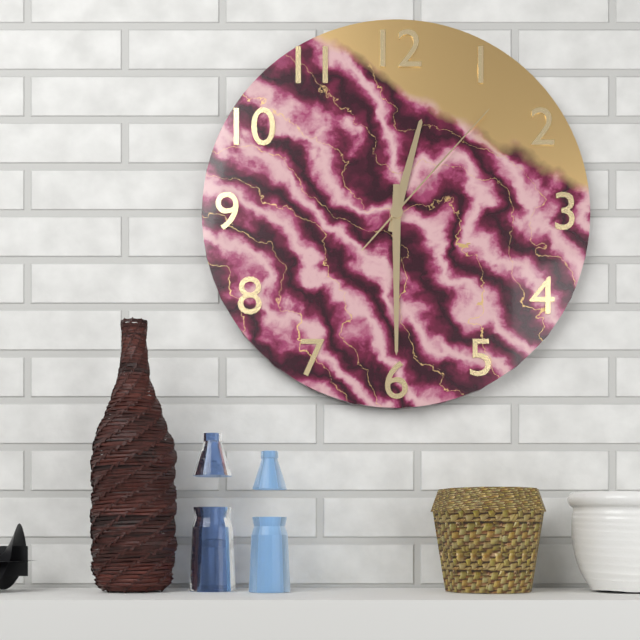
**12:30:07**
